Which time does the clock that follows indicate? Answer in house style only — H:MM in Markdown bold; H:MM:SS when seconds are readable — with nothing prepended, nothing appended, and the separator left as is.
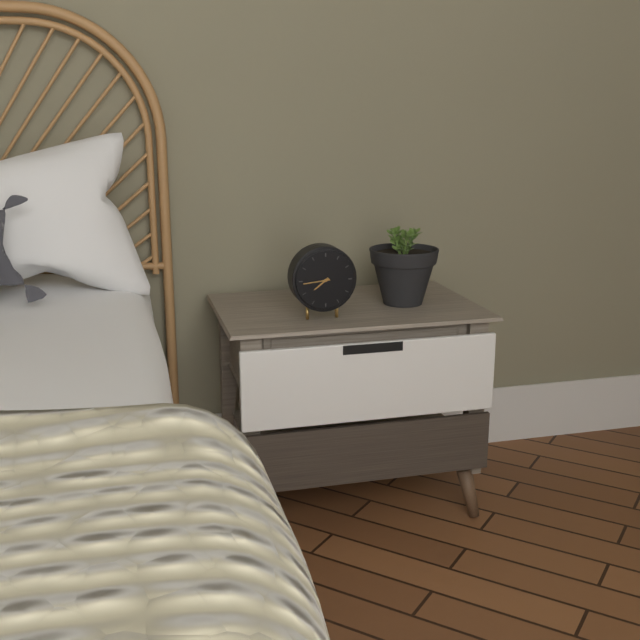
**7:44**
